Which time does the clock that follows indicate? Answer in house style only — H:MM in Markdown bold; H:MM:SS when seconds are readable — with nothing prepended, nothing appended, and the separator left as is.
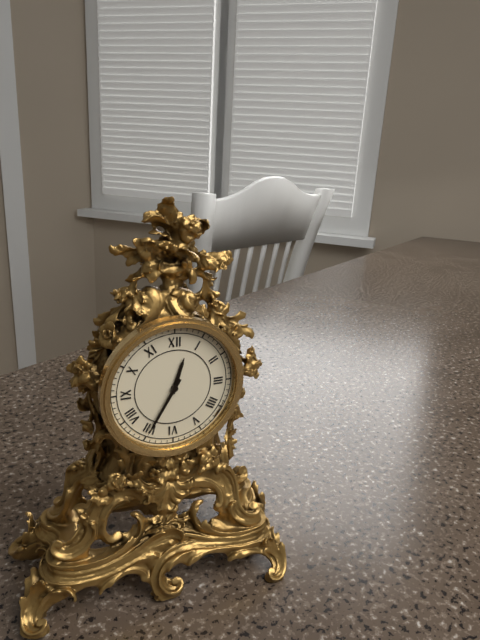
**12:35**
